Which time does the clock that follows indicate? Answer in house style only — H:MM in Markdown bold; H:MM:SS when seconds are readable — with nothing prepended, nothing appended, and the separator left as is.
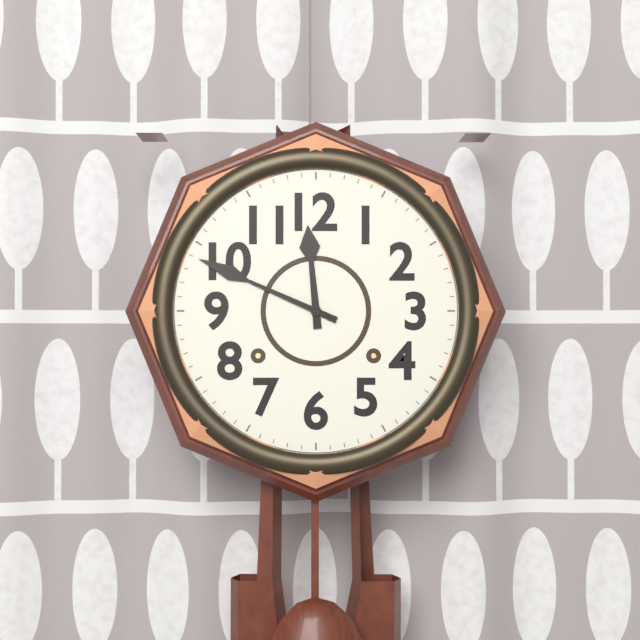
**11:49**
